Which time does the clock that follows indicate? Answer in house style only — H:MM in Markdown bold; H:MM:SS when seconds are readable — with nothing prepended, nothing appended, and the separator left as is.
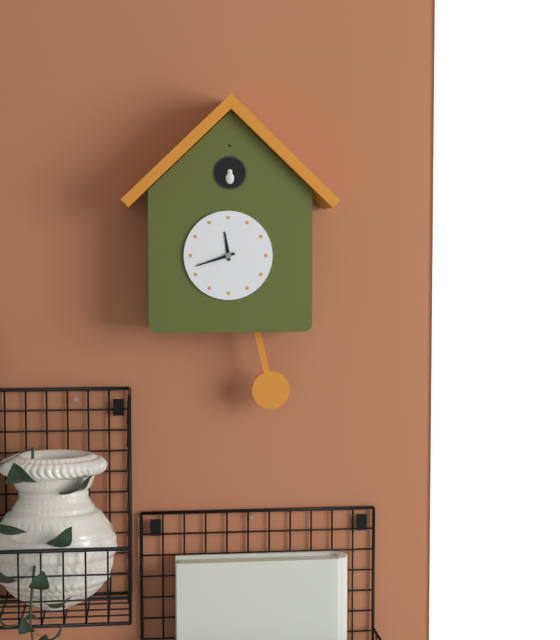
**11:42**
